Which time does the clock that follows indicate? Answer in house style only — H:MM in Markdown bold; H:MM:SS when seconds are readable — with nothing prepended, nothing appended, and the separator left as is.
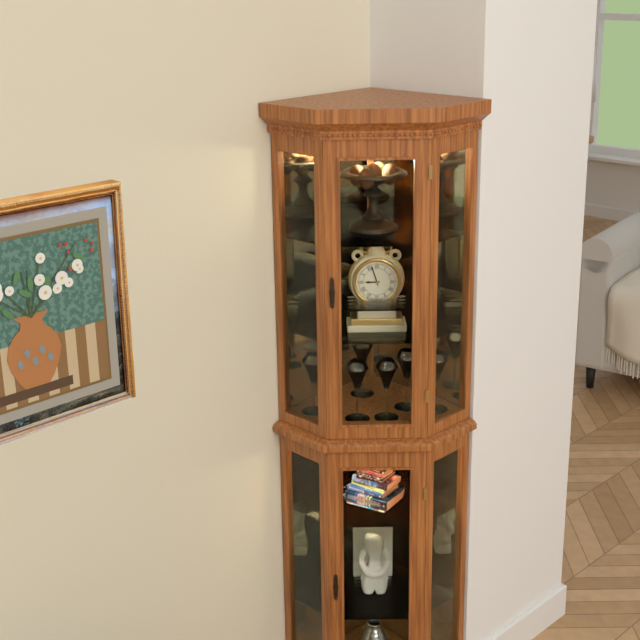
**8:57**
